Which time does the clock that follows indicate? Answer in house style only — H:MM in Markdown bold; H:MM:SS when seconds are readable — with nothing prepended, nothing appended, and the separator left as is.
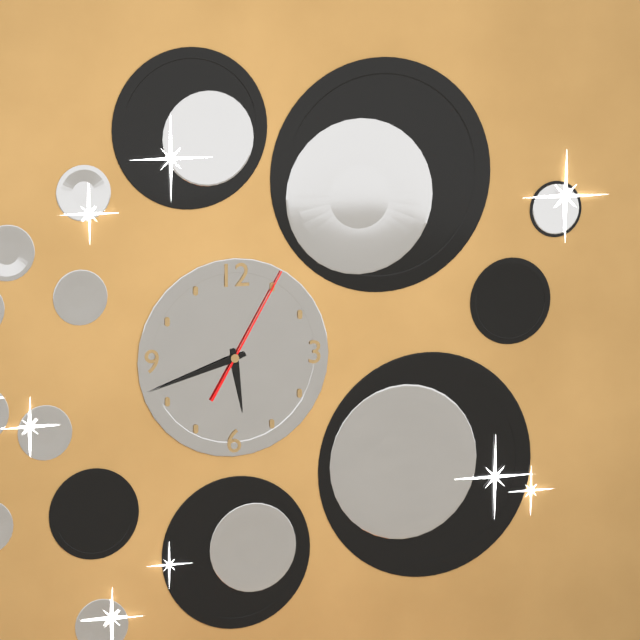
**5:42:05**
